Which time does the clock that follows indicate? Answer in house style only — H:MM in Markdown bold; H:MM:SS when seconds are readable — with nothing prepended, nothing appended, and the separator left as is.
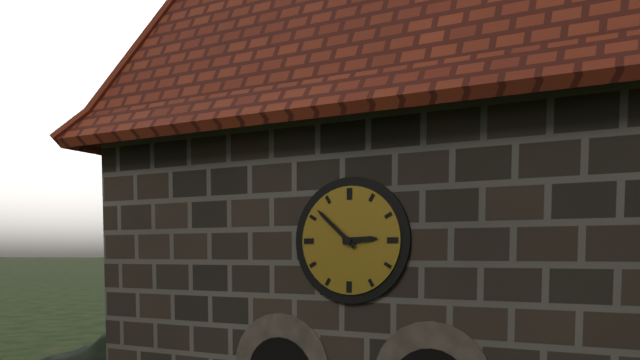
**2:52**
